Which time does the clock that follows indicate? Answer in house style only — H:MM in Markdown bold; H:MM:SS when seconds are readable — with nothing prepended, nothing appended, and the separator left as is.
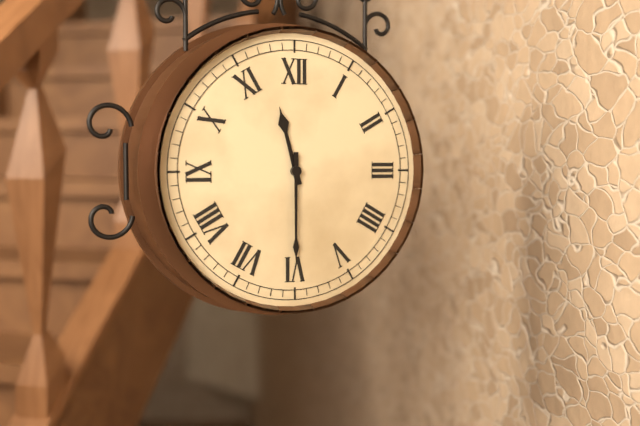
**11:30**
